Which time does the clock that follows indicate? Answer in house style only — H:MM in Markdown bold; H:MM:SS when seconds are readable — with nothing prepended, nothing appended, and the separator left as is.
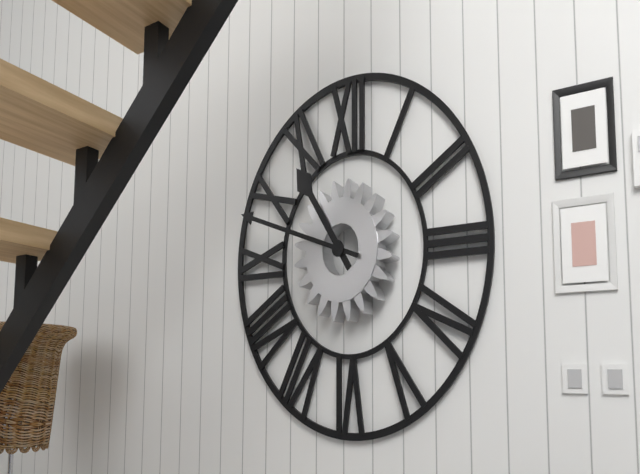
**10:48**
